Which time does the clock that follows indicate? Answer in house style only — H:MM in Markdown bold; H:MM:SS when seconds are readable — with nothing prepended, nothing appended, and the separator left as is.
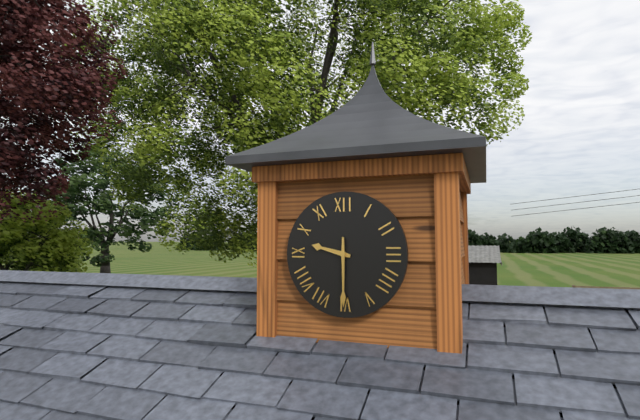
**9:30**
